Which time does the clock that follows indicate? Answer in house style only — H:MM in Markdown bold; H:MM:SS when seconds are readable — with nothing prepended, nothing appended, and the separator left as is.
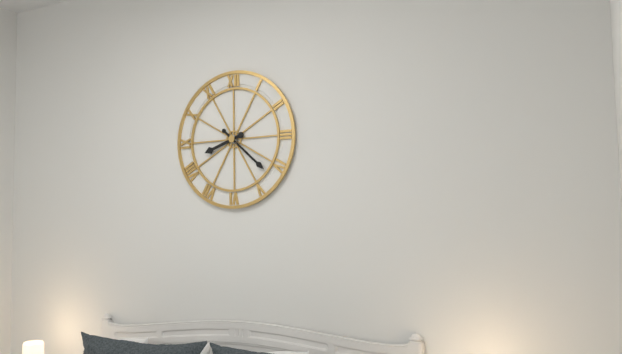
**8:22**
